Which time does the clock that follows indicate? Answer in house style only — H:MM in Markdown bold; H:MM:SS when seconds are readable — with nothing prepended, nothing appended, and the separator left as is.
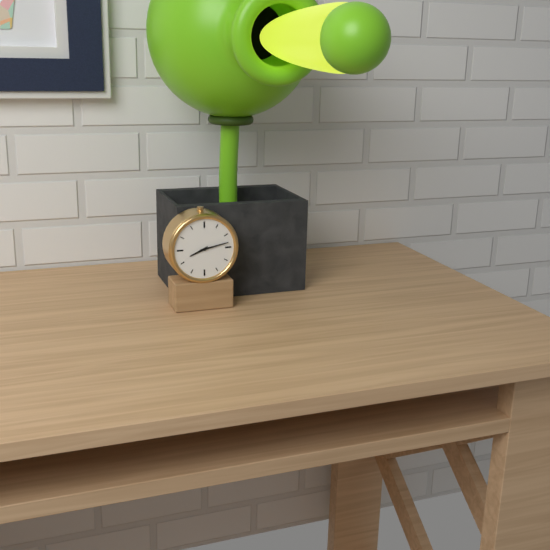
**8:13**
